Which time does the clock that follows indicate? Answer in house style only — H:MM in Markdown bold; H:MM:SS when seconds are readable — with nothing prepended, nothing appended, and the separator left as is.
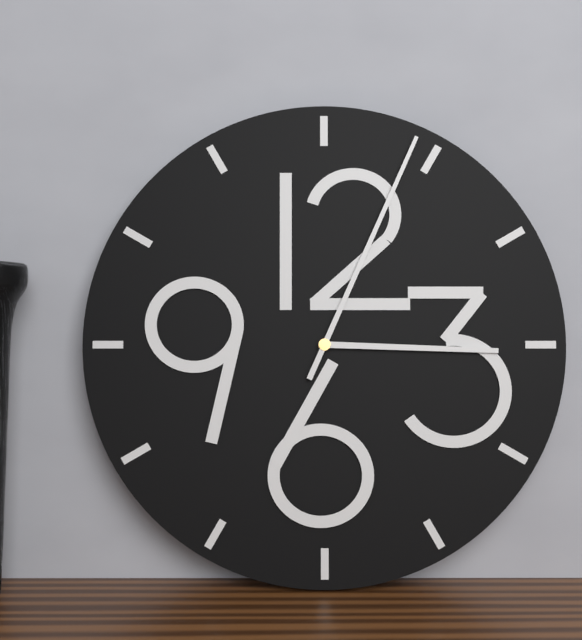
**3:04**
